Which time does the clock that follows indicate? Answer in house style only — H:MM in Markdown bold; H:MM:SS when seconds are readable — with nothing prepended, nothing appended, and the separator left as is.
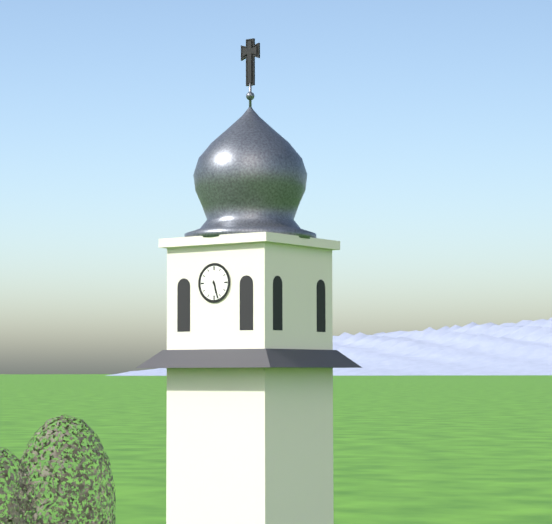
**5:27**
